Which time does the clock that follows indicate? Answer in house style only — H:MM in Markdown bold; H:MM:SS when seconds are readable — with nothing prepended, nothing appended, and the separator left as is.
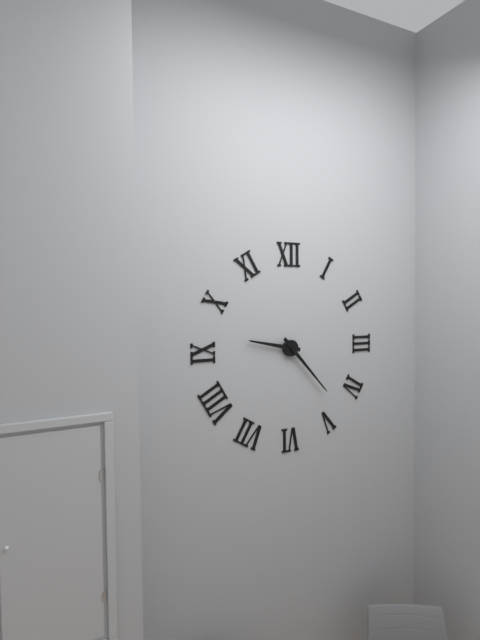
**9:23**
